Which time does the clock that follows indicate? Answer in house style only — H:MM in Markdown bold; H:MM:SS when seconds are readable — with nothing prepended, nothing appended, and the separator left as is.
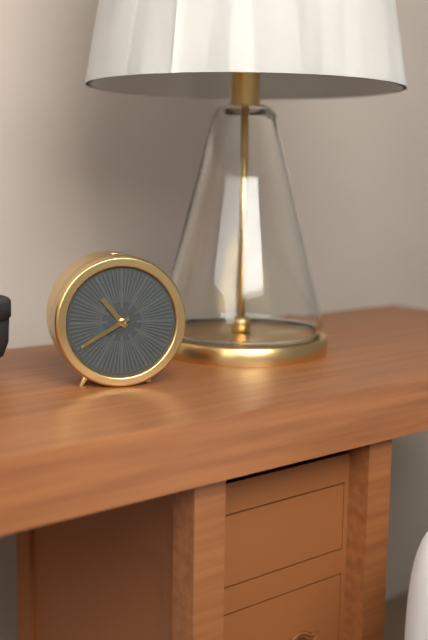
**10:40**
